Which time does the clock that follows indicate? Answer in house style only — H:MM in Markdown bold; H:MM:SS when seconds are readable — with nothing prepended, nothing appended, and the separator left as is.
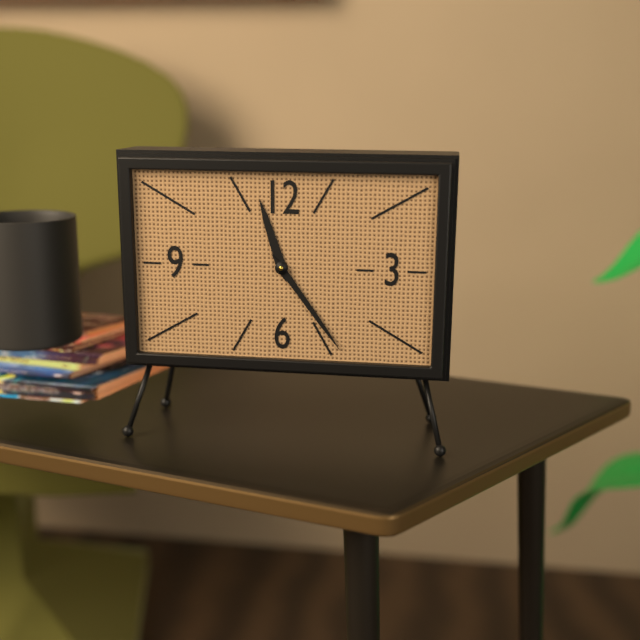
**11:24**
